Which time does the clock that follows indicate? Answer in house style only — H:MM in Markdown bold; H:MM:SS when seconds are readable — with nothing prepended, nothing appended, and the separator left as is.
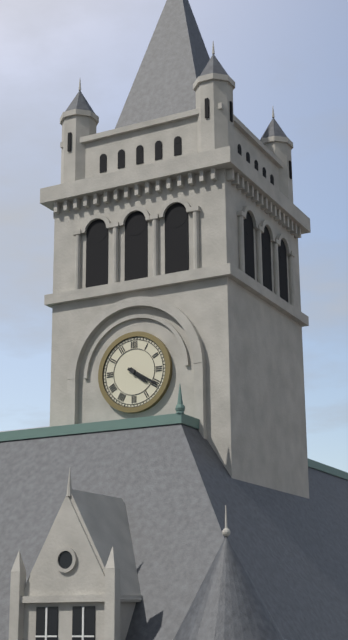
**4:20**
